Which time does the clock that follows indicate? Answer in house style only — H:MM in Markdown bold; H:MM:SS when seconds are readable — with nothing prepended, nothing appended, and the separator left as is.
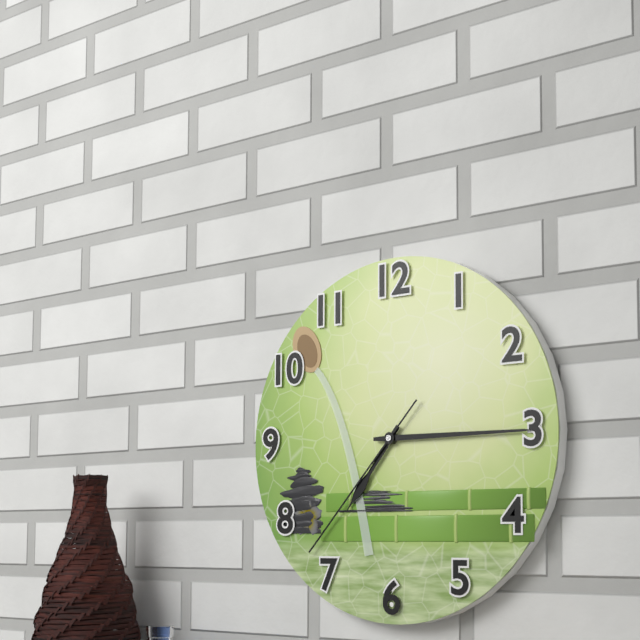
**7:15:37**
